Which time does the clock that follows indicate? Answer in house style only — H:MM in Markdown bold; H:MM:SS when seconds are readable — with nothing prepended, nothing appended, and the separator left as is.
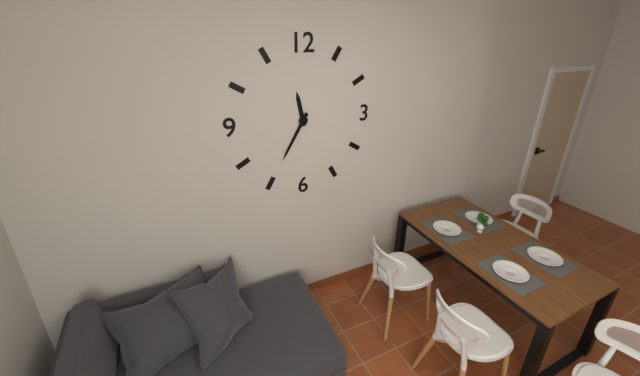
**11:35**
